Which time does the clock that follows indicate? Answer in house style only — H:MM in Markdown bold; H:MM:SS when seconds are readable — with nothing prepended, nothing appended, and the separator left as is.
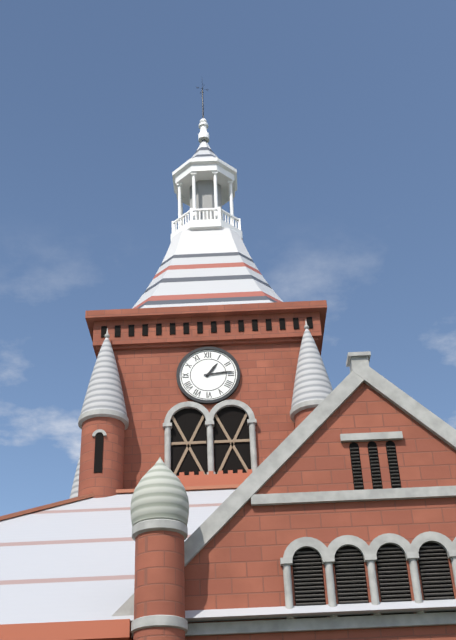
**1:14**
